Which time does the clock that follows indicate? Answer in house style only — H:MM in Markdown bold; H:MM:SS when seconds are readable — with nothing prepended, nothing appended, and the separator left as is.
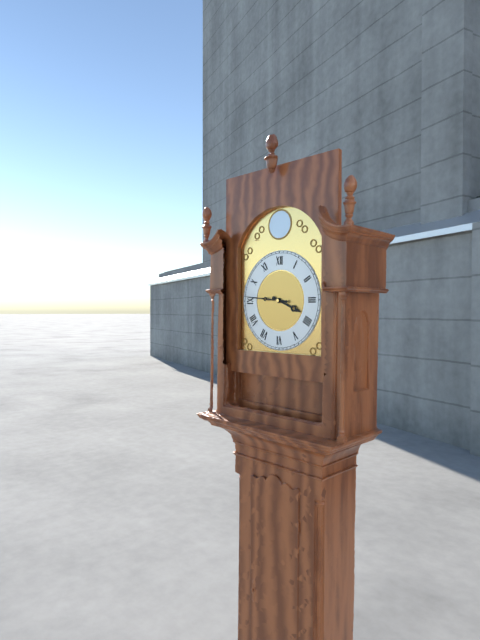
**3:46**
